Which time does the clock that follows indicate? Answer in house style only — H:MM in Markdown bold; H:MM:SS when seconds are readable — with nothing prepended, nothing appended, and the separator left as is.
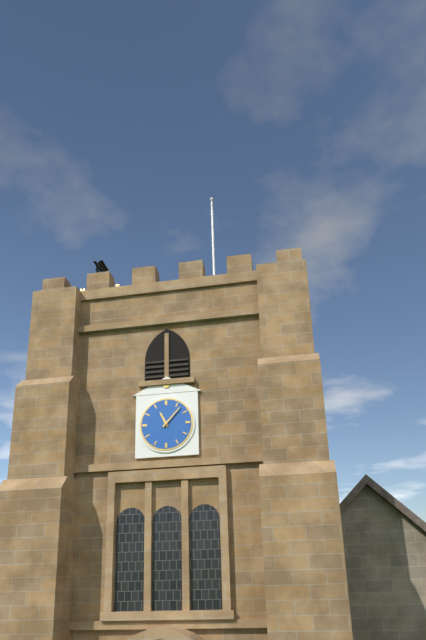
**11:07**
